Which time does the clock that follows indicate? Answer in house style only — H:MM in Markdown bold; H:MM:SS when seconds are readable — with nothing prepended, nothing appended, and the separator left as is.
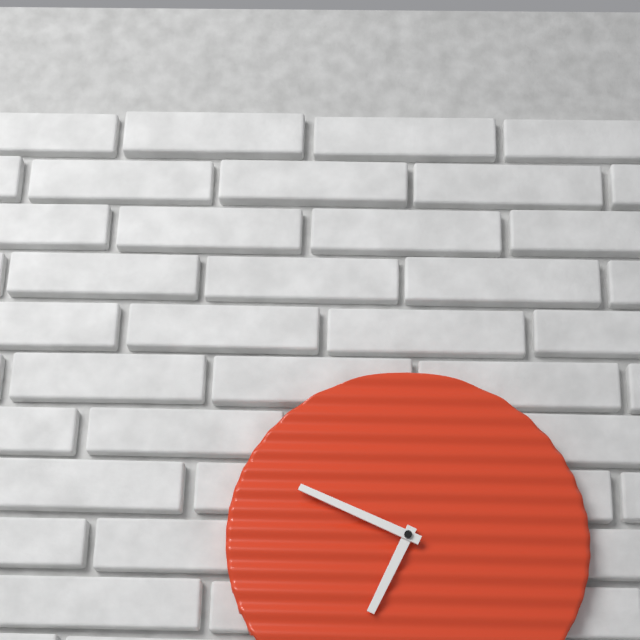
**6:49**
